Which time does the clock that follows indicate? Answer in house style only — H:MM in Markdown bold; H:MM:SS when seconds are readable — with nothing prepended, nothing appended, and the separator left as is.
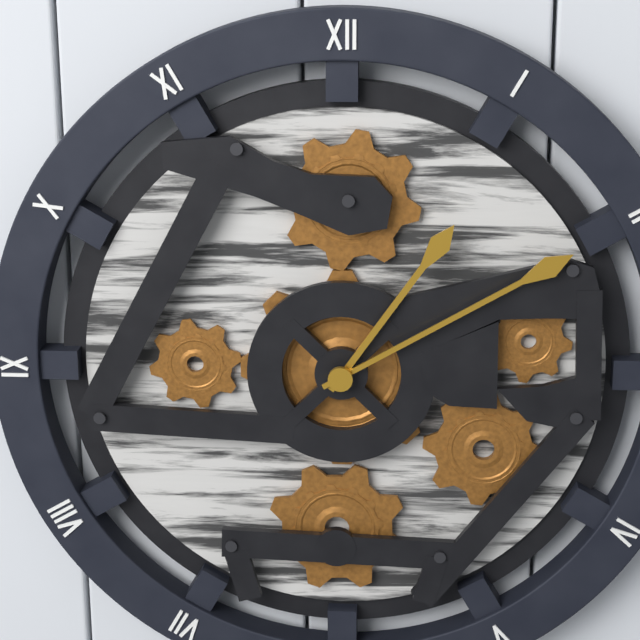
**1:10**
